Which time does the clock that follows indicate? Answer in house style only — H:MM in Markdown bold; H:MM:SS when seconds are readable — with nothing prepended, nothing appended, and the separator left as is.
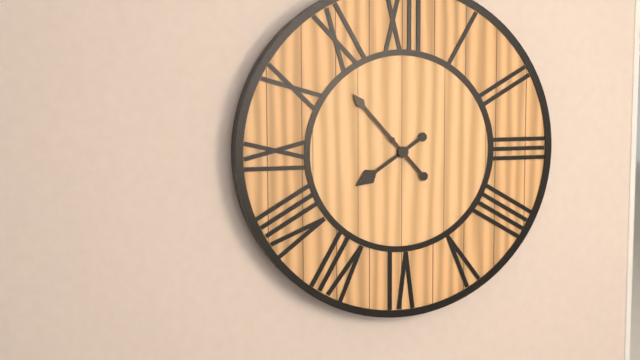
**7:53**
